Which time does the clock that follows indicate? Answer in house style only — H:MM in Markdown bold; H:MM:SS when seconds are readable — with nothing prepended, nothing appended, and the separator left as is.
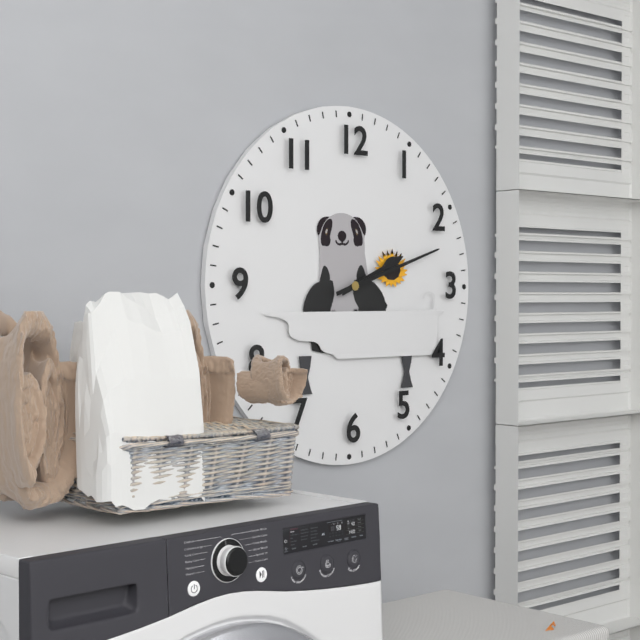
**2:12**
